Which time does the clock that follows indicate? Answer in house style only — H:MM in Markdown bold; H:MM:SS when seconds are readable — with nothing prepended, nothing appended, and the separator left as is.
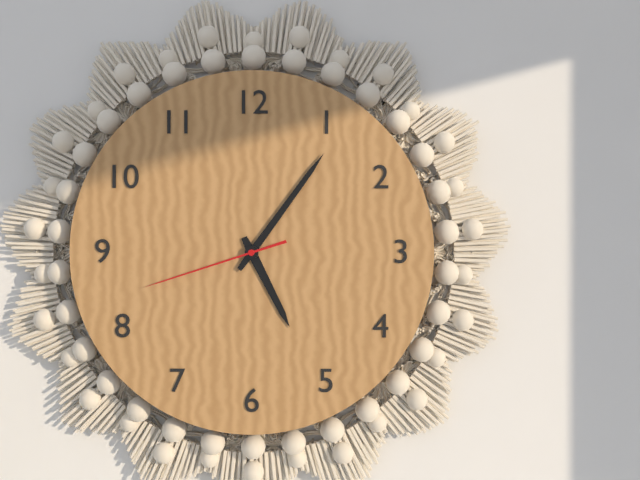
**5:06:42**
